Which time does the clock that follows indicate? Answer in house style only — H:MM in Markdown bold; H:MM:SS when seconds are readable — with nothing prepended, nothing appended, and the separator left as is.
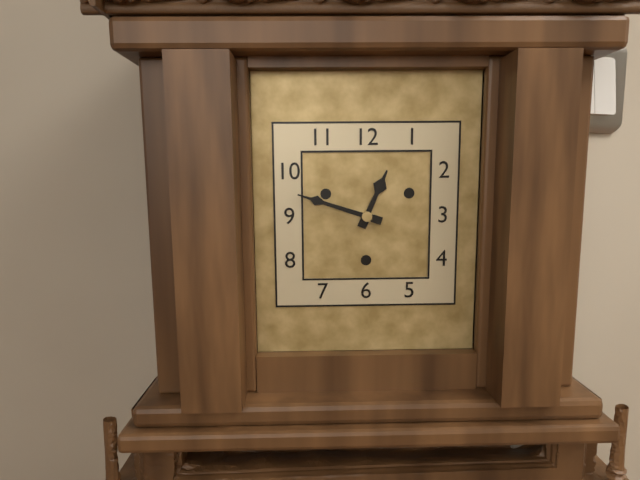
**12:48**
